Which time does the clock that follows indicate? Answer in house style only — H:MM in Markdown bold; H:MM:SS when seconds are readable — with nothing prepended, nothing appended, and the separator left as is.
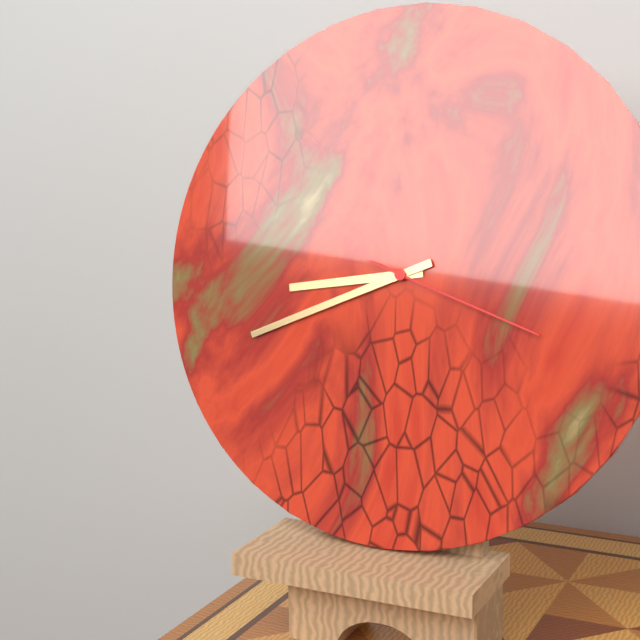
**8:41:18**
